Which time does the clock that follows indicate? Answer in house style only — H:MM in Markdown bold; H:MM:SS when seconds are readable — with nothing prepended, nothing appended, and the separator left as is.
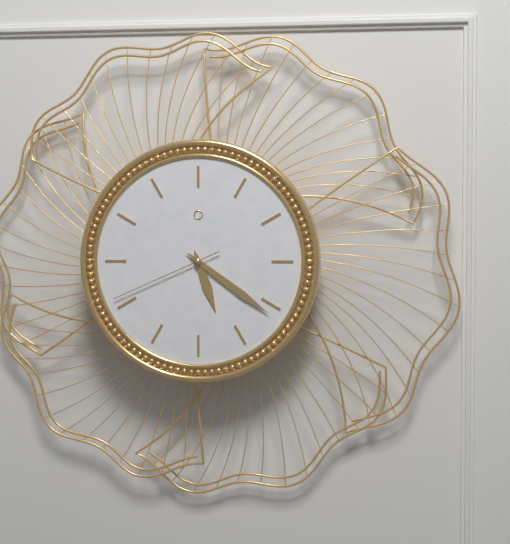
**5:21:41**
